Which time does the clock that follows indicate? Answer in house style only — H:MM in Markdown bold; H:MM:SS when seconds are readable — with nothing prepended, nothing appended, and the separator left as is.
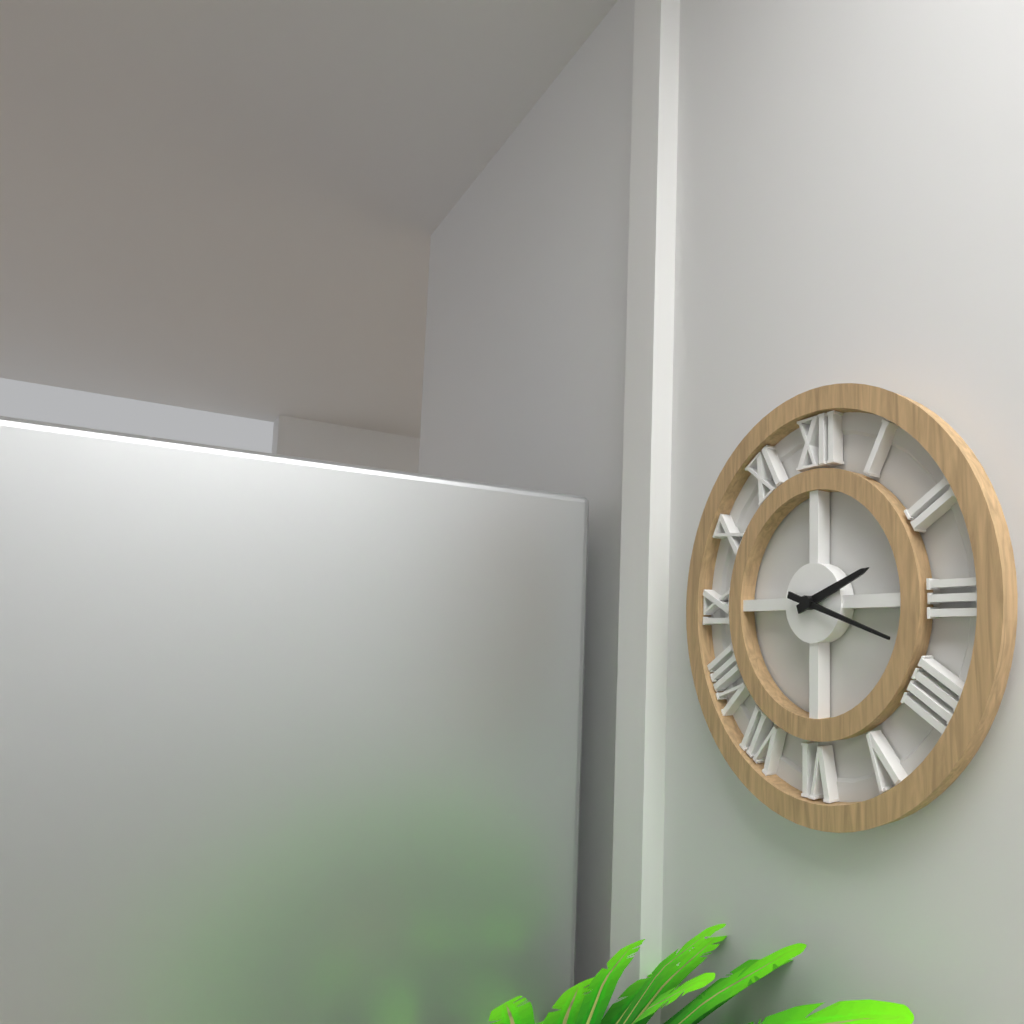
**2:18**
